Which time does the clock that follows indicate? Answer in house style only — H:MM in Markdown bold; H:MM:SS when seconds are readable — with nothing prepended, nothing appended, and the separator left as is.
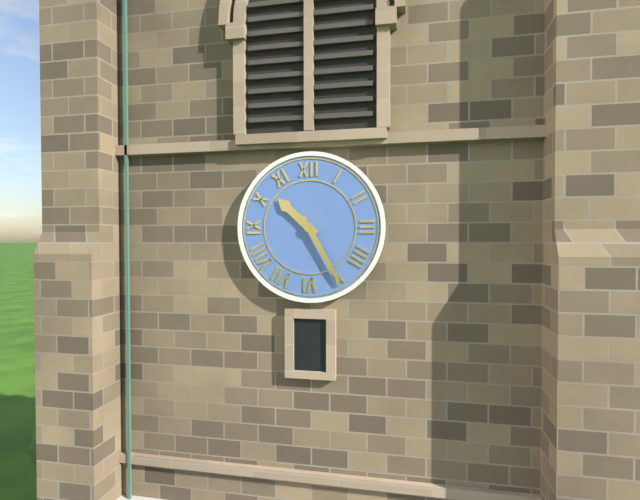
**10:25**
